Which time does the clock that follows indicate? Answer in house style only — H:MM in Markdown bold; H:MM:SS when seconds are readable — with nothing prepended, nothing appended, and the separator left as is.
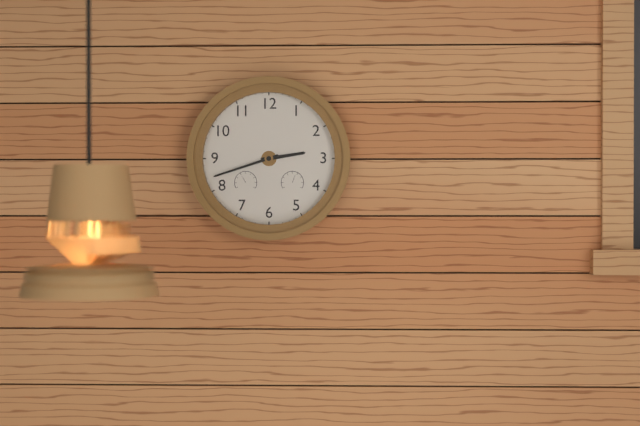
**2:42**
